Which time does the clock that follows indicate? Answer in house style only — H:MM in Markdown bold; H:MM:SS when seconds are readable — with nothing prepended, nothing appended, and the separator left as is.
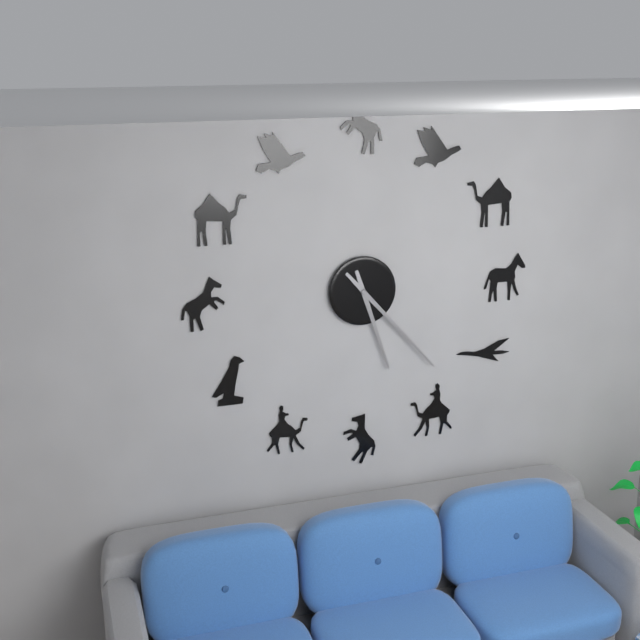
**5:23**
